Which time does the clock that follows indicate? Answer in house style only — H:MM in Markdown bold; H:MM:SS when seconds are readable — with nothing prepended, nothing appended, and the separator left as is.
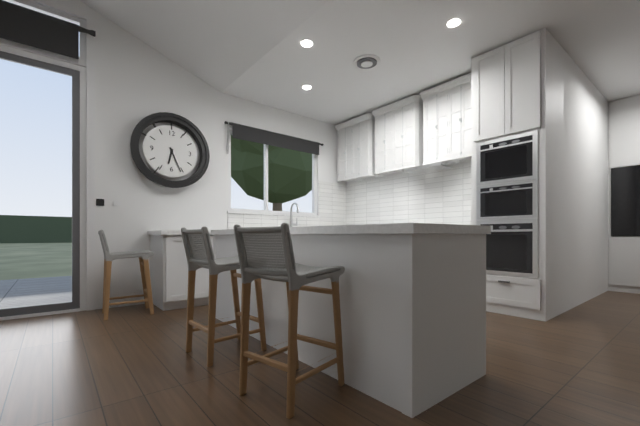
**6:26**
